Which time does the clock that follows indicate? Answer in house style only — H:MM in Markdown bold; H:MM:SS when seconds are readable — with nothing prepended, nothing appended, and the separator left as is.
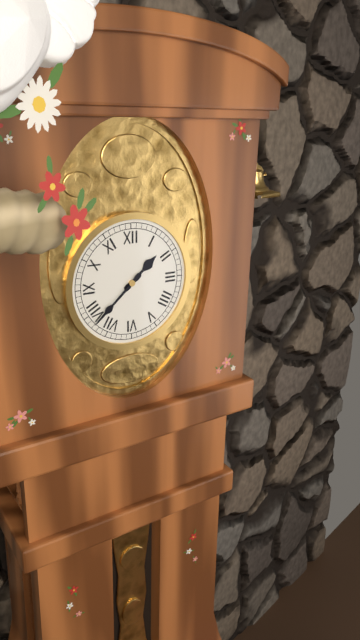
**1:38**
